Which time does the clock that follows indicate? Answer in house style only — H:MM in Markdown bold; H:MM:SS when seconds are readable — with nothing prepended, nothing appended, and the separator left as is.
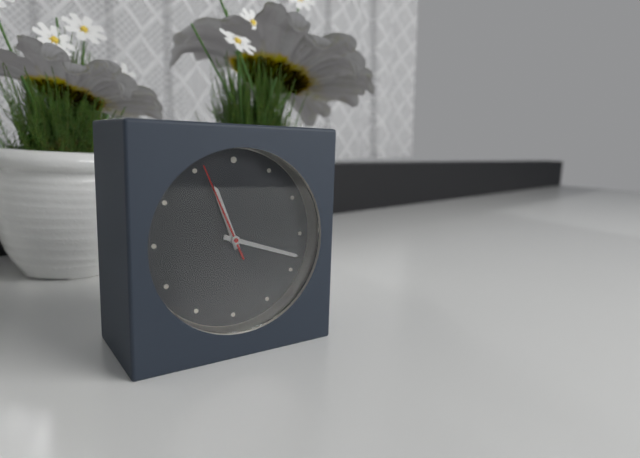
**11:18:56**
